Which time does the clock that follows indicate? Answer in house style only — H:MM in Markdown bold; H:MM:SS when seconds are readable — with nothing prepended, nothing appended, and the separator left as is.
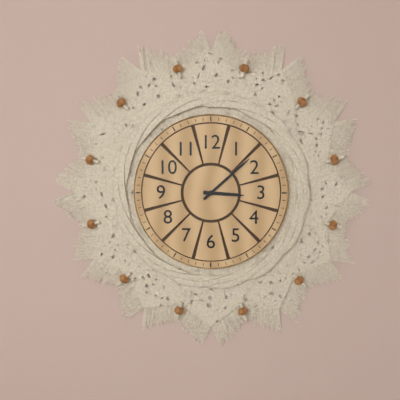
**3:08**
